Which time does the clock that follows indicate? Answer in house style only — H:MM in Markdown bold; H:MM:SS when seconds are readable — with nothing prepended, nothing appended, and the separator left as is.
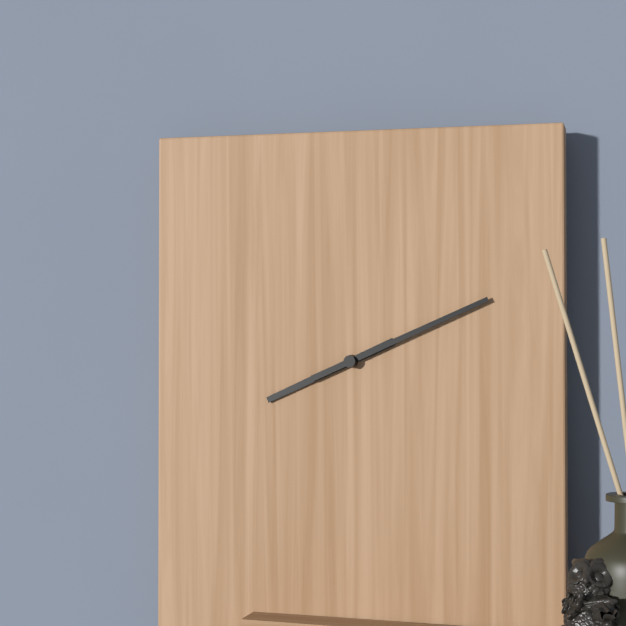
**8:11**
